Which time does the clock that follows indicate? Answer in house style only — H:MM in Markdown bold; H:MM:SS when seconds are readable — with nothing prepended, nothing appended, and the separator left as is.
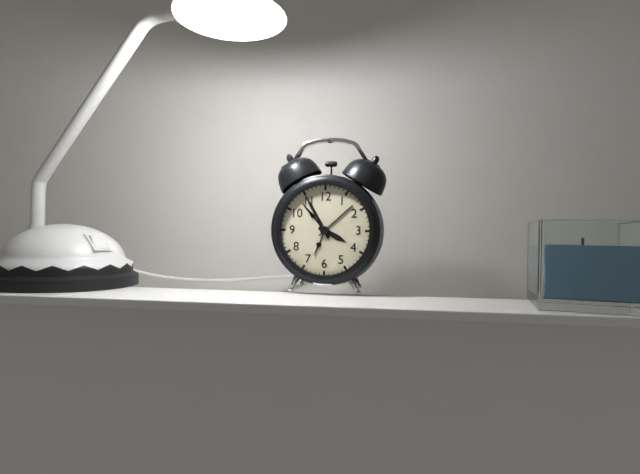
**3:55**
